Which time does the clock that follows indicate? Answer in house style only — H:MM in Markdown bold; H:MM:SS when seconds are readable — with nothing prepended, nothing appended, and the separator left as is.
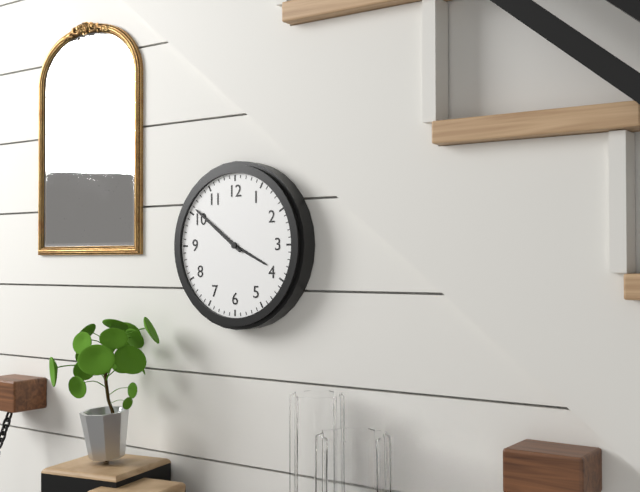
**3:51**
